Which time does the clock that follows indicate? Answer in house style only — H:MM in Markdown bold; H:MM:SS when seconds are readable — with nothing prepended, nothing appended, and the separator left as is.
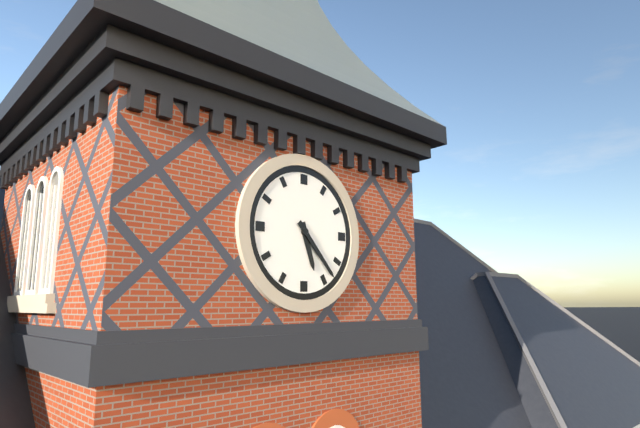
**5:23**
